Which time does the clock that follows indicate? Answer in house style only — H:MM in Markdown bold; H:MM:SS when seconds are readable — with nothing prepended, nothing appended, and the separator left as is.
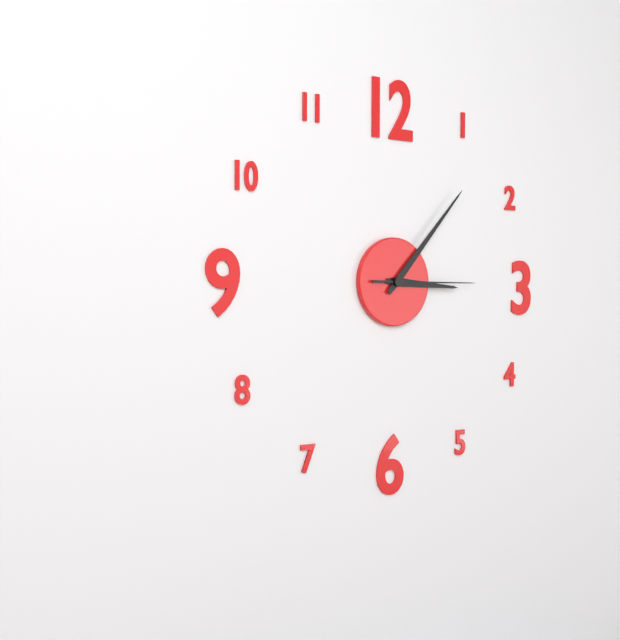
**3:07:15**
